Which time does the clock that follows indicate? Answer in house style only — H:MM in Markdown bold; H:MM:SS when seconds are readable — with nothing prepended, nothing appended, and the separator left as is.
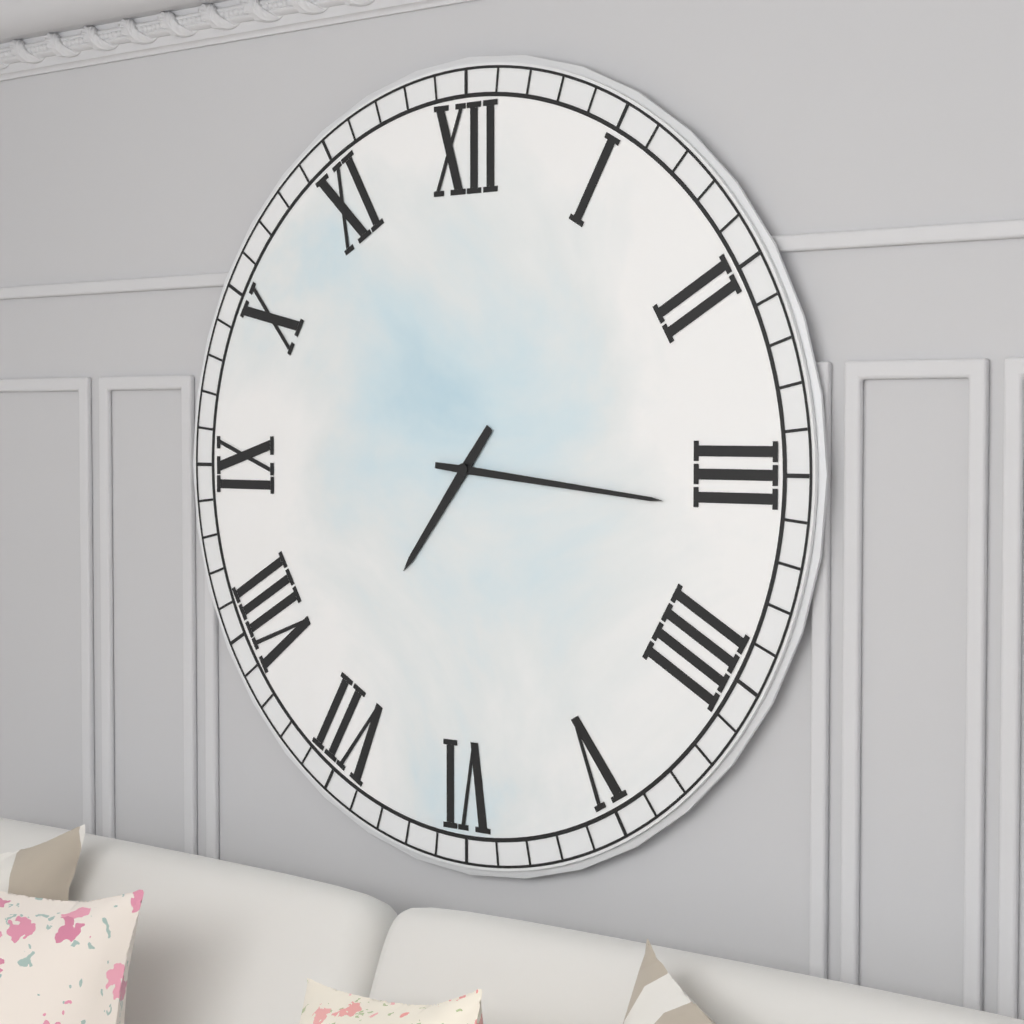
**7:16**
